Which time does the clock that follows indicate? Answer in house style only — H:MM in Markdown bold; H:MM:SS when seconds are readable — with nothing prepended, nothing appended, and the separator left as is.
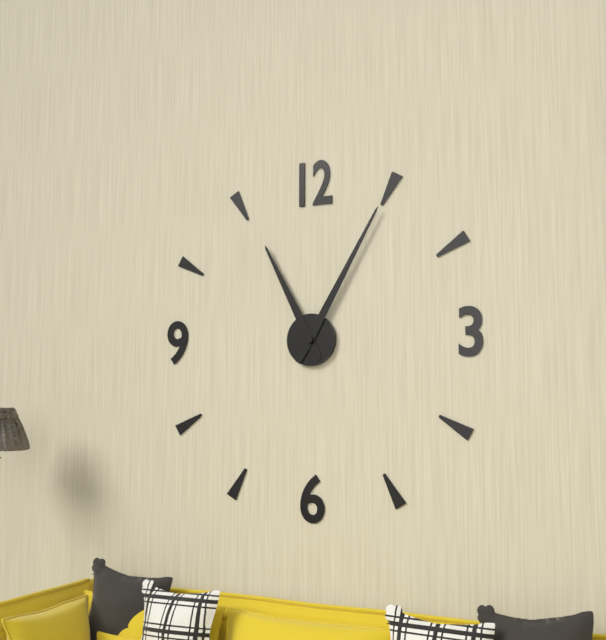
**11:05**
